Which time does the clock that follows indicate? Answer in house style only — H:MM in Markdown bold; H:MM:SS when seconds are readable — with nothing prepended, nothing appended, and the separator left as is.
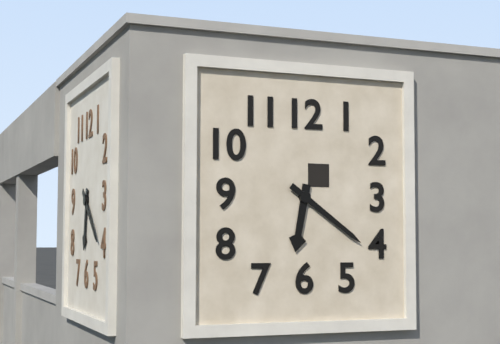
**6:21**
